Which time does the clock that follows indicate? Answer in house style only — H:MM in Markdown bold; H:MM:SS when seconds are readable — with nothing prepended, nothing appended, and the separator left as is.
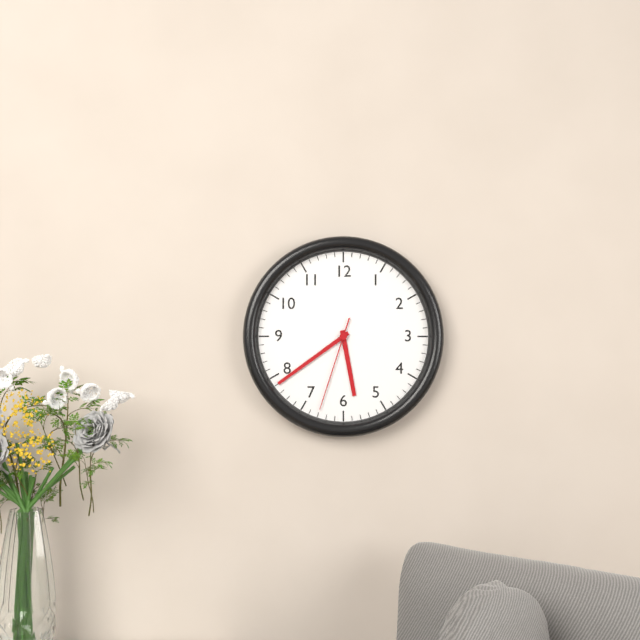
**5:39:33**
